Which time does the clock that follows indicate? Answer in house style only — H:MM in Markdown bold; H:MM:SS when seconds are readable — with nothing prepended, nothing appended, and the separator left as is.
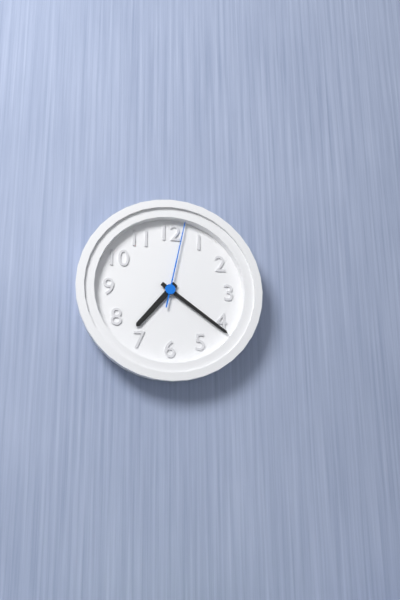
**7:21:02**
